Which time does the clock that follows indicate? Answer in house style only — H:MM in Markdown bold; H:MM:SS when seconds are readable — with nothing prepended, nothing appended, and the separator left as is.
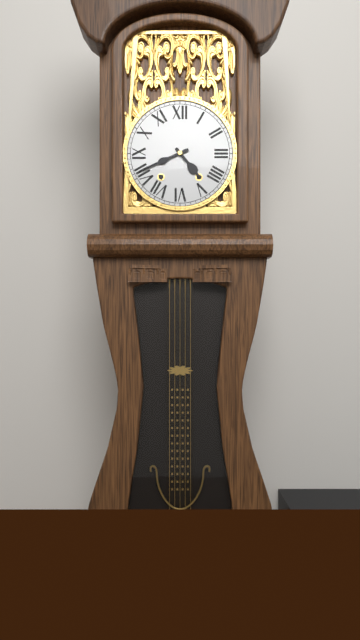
**4:41**
